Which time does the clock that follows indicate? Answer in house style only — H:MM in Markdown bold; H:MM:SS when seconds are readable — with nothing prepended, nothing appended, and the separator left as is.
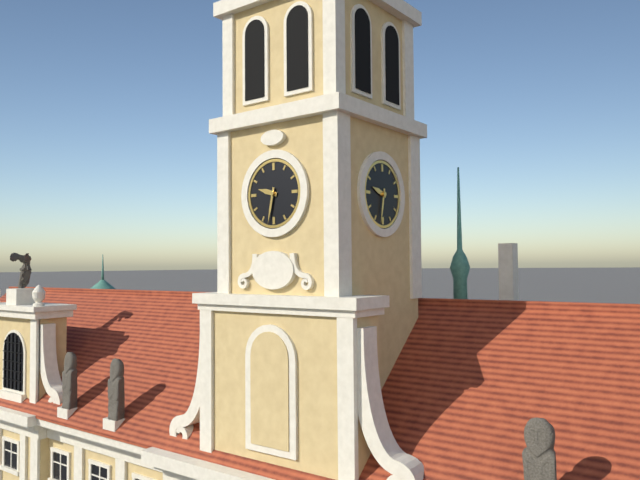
**9:32**
